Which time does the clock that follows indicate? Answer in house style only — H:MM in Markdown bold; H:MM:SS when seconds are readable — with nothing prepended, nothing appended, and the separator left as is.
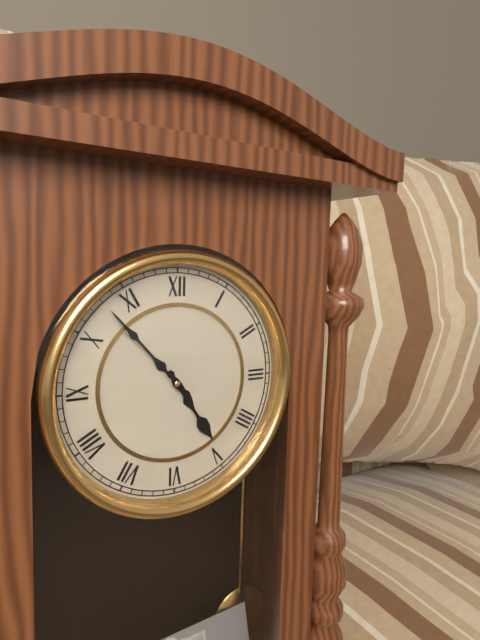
**4:53**
